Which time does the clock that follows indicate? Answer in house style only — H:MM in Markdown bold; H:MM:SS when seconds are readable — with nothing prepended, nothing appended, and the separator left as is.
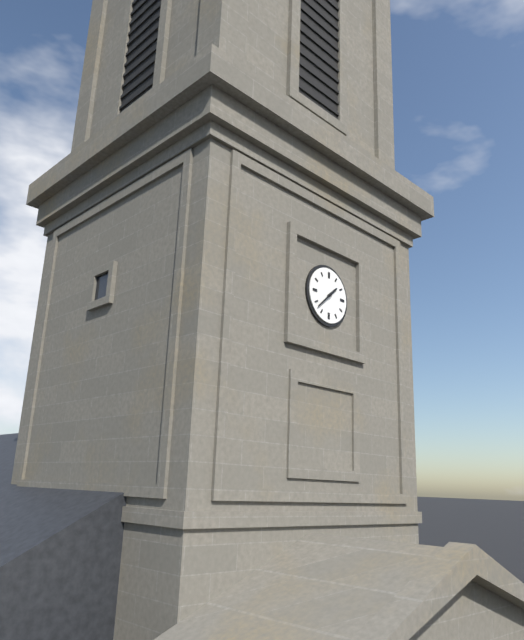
**1:38**
